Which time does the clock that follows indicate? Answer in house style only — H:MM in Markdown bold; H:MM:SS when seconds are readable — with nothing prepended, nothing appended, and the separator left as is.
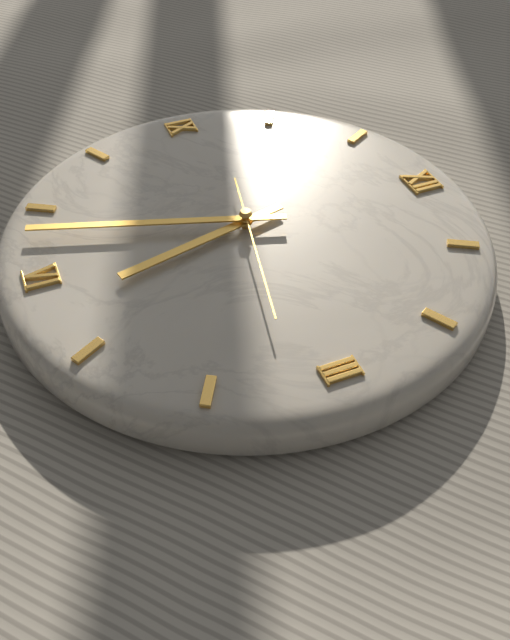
**5:33:17**
